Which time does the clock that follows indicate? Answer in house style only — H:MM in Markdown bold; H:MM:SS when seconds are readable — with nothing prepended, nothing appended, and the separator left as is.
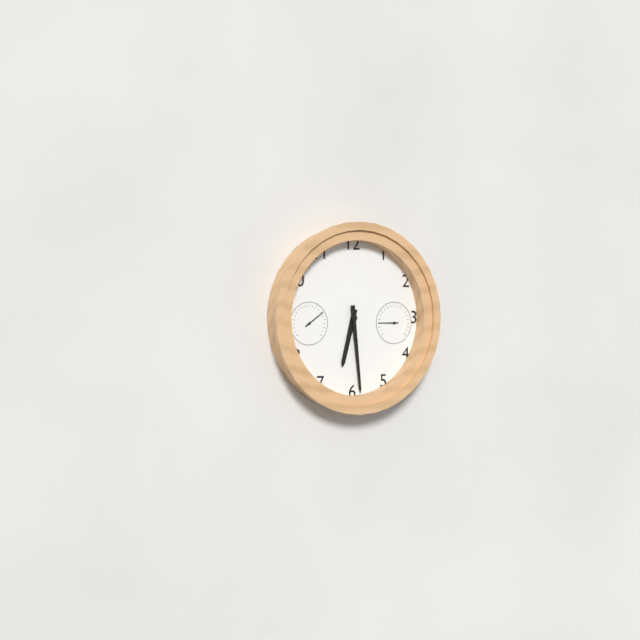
**6:29**
